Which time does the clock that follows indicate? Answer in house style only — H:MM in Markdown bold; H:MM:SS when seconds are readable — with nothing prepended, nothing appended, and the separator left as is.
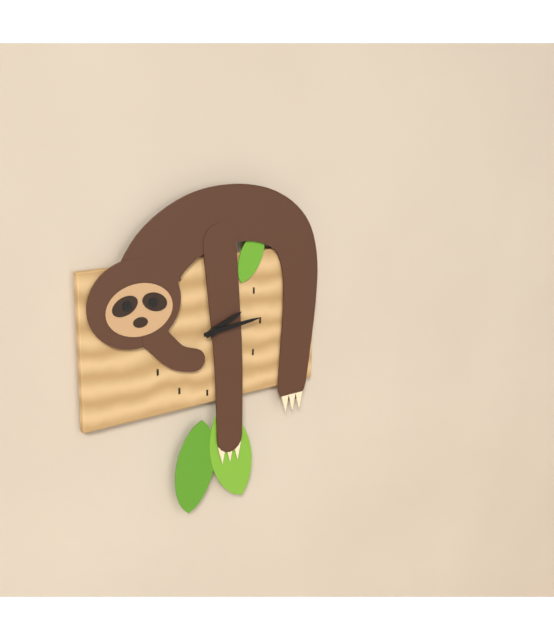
**2:14**
